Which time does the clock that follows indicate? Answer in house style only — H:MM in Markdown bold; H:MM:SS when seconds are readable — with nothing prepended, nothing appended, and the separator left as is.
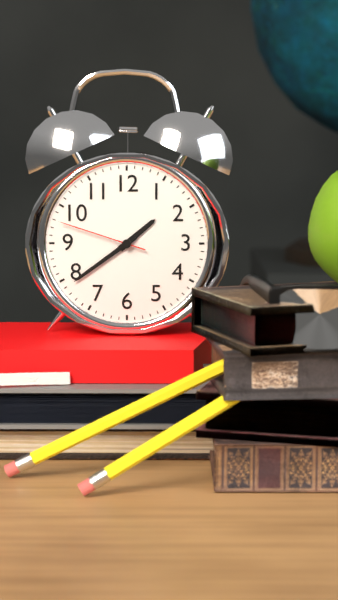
**1:39:48**
